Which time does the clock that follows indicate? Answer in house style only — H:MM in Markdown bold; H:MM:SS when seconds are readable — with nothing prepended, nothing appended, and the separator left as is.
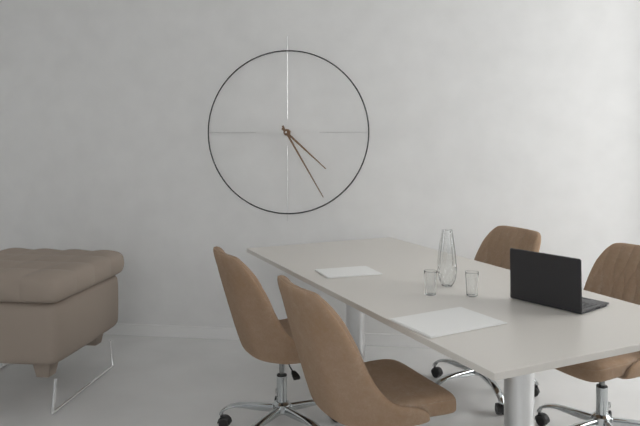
**4:25**
